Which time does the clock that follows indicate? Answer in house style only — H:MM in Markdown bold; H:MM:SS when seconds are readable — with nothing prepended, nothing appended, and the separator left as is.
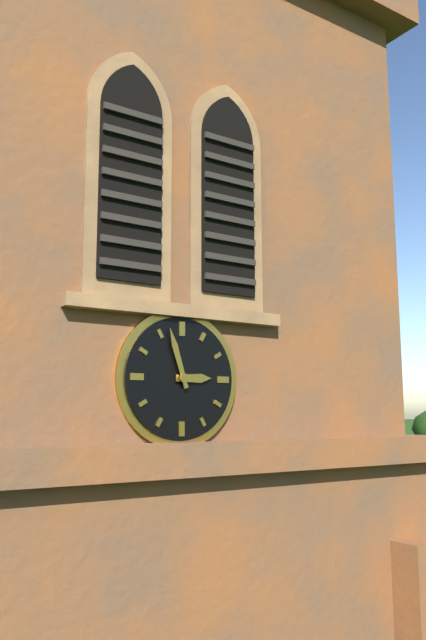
**2:57**
